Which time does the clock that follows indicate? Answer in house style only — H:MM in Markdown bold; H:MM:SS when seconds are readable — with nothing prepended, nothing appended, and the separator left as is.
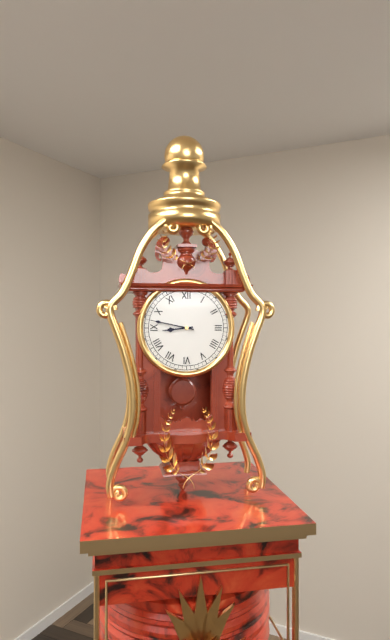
**8:47**
